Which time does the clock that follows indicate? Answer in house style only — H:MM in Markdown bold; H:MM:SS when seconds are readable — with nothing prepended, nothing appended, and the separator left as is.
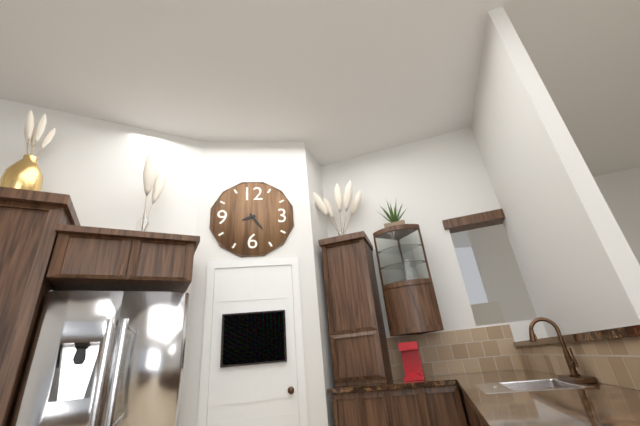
**8:24**
